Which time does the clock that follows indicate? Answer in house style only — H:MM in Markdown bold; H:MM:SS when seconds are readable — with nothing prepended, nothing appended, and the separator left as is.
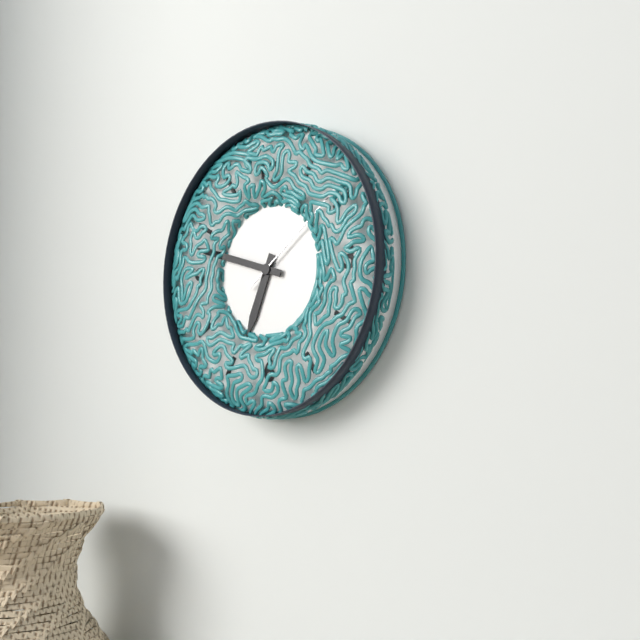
**6:48:09**
